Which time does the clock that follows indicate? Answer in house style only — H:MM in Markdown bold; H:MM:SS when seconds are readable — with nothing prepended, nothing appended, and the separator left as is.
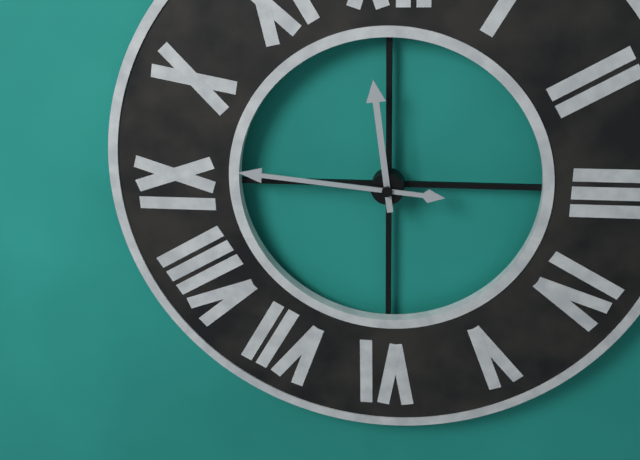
**11:46**
